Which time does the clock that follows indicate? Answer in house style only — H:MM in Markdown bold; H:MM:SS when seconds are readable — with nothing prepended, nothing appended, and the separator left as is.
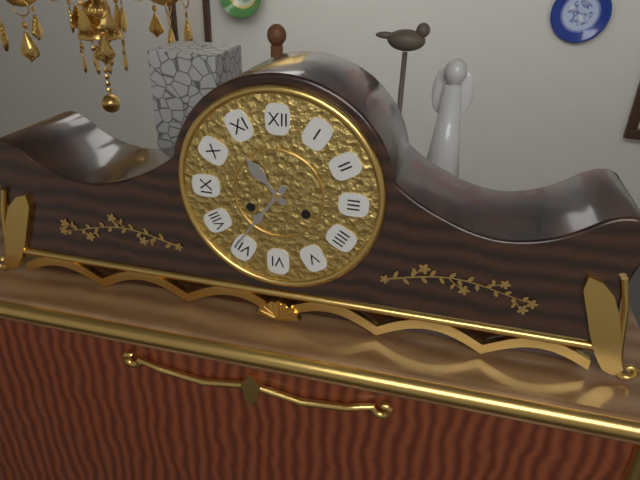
**10:36**
